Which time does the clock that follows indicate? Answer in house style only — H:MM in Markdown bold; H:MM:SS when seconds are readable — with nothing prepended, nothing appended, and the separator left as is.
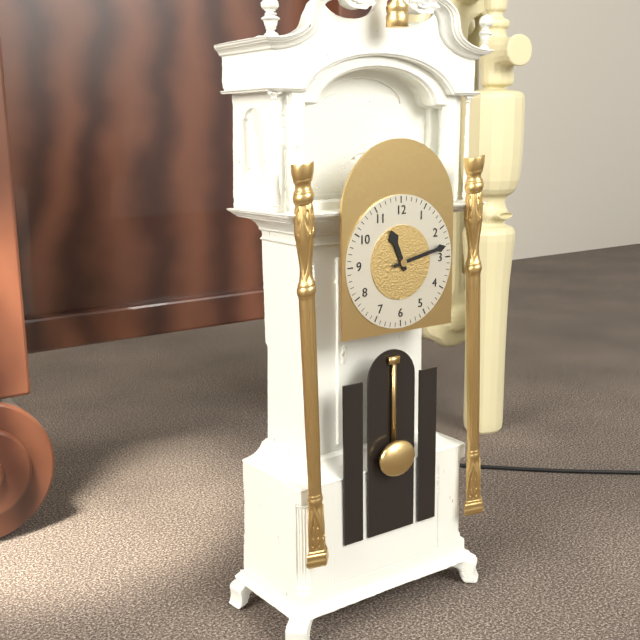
**11:13**
